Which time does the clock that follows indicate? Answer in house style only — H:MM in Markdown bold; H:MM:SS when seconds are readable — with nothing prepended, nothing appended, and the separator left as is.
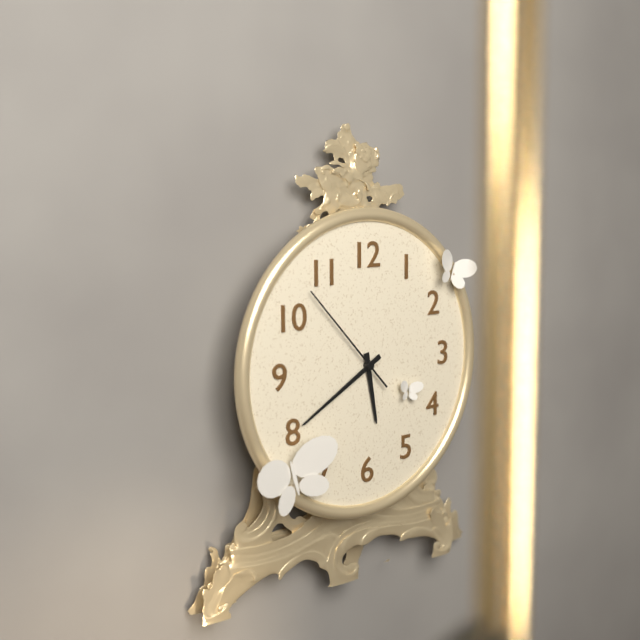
**5:40:53**
